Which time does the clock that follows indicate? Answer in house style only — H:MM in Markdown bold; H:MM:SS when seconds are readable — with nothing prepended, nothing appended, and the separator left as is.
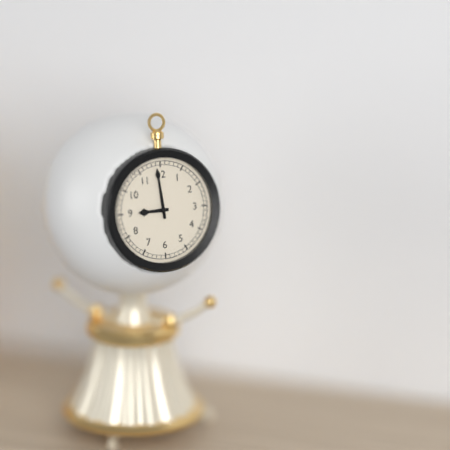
**8:59**
